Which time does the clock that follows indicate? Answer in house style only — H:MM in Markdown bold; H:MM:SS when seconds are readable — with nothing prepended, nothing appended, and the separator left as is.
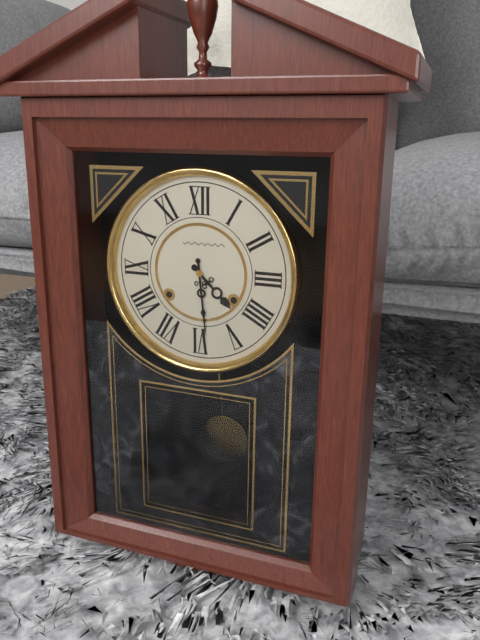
**4:29**
